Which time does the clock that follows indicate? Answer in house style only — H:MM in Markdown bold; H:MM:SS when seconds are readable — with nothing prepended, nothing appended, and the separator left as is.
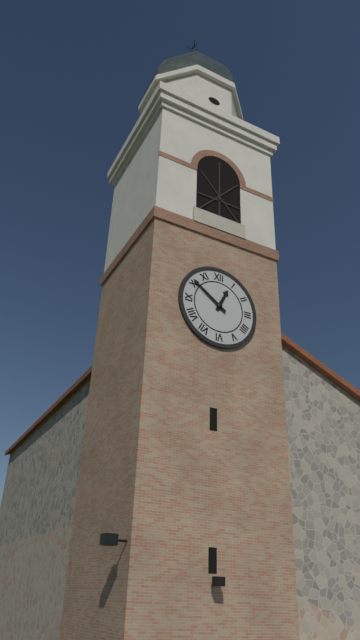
**12:51**
